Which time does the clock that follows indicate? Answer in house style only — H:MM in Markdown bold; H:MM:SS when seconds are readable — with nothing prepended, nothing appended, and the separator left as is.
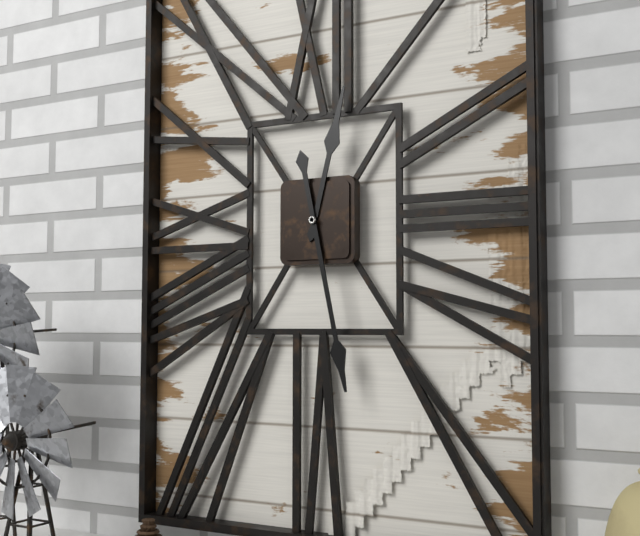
**12:28**
